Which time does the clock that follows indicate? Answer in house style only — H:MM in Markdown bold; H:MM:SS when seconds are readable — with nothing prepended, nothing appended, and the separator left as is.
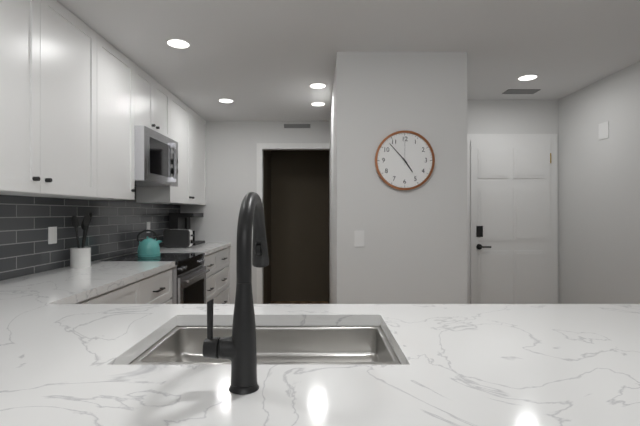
**4:53**
